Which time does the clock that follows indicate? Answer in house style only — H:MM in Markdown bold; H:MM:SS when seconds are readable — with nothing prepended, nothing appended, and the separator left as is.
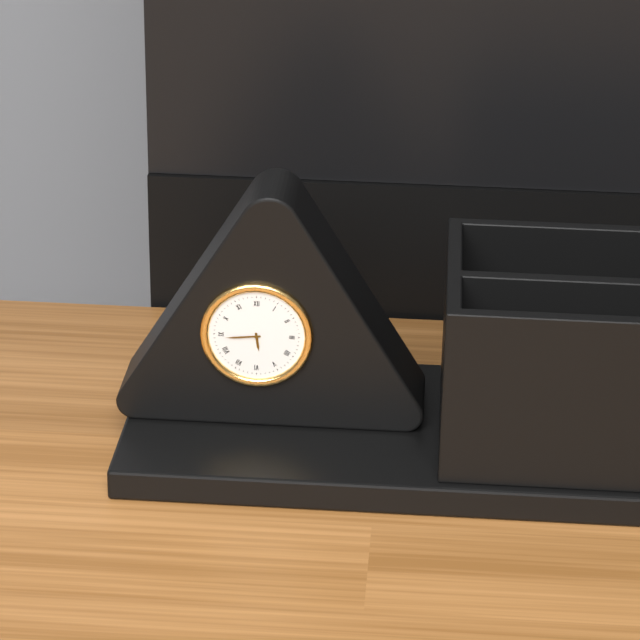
**5:44**
